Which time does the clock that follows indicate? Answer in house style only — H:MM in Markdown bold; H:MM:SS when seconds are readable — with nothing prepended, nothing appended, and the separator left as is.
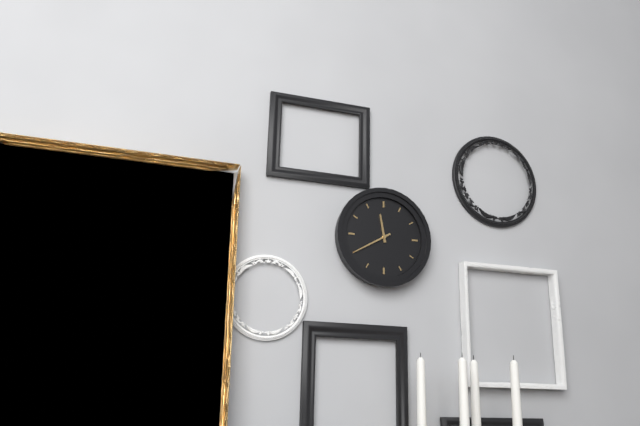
**11:40**
